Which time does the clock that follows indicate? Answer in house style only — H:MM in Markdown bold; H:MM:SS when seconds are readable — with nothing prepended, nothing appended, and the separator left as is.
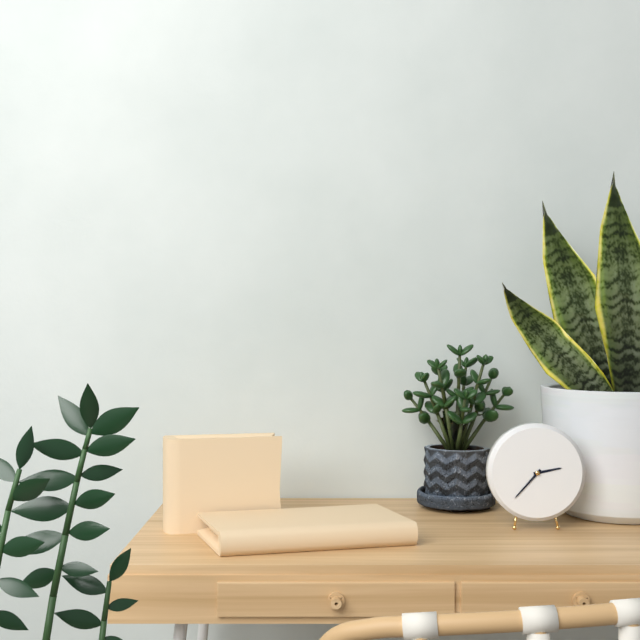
**2:37**
